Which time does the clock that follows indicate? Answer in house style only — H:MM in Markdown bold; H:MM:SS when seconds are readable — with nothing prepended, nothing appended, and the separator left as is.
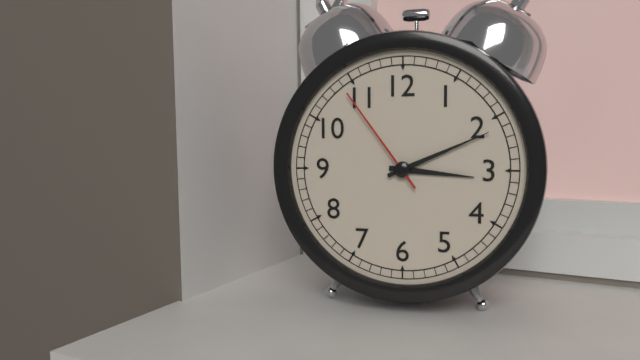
**3:11:54**
